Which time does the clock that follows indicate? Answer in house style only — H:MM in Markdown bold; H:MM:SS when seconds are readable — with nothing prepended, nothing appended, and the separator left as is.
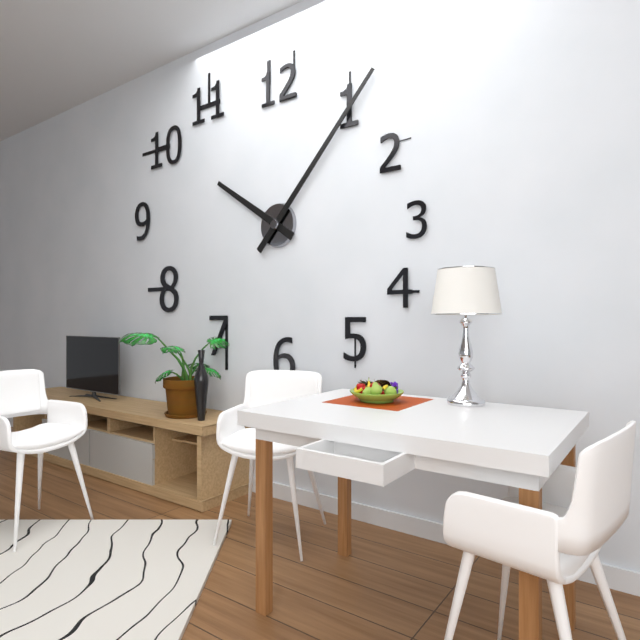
**10:07**
